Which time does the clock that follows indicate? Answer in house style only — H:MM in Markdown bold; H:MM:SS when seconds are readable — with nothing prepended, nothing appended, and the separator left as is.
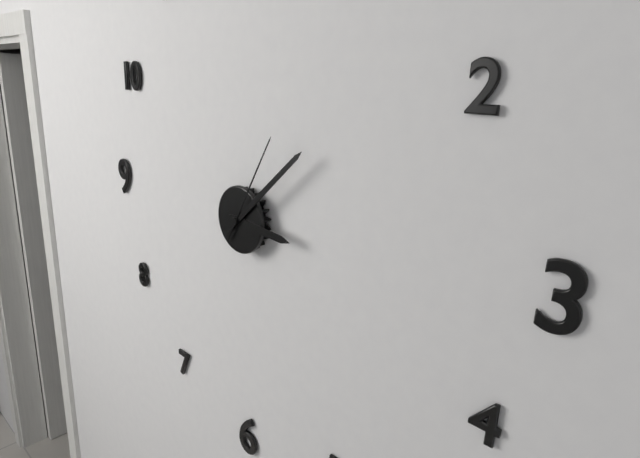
**3:08:05**
